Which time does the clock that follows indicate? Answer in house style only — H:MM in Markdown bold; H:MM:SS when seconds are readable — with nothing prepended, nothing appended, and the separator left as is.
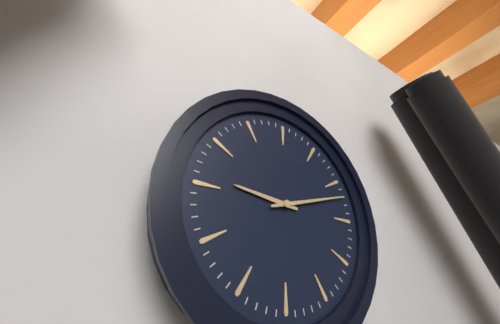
**9:12**
